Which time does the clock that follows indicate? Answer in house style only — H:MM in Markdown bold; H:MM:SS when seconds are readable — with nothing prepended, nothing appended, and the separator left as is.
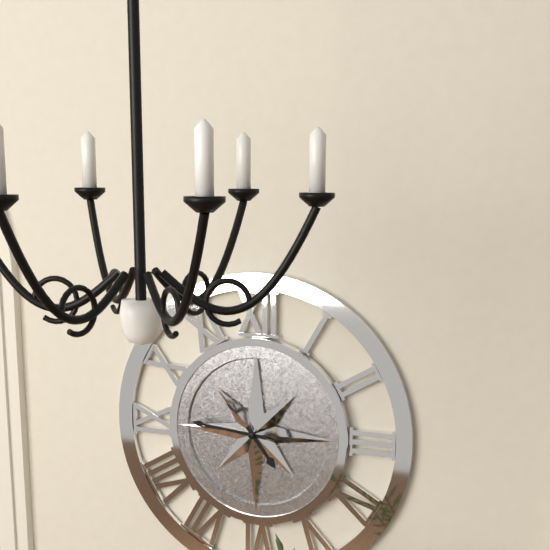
**4:46**
